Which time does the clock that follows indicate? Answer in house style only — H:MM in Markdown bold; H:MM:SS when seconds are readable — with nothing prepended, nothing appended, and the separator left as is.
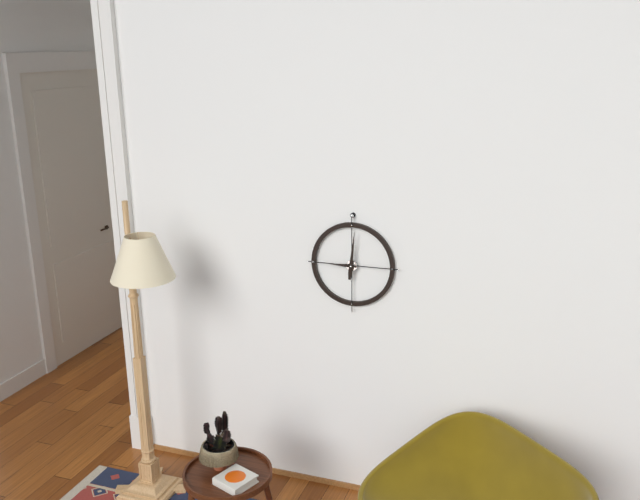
**9:01**
